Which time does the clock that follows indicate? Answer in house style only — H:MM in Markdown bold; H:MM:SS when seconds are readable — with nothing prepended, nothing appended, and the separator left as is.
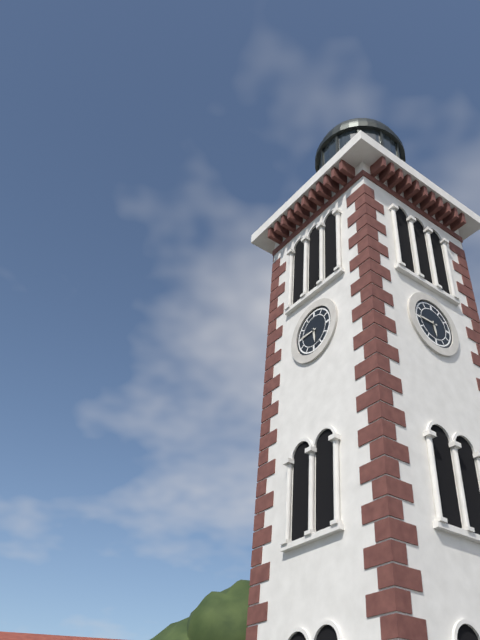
**5:45**
